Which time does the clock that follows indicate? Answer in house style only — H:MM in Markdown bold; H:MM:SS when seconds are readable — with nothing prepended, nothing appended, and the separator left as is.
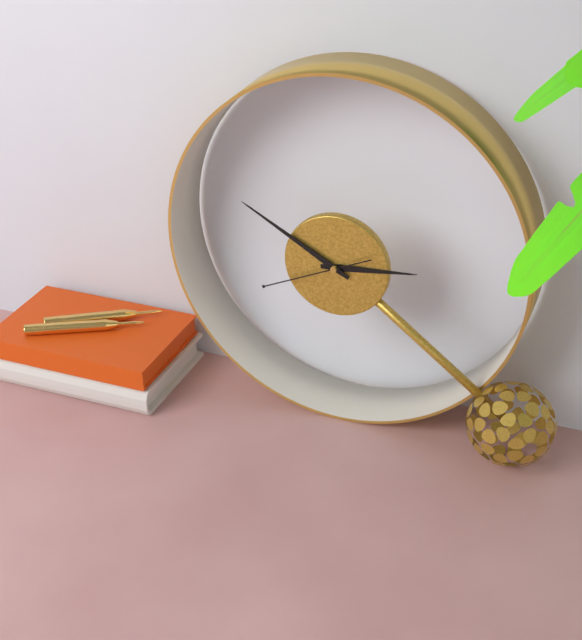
**2:50:41**
